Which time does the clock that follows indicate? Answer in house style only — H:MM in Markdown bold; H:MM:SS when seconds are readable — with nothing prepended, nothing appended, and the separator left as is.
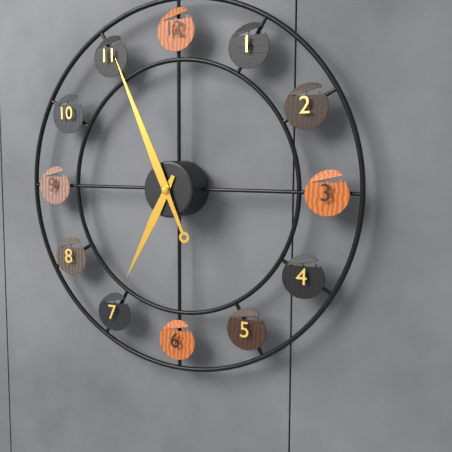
**6:56**
